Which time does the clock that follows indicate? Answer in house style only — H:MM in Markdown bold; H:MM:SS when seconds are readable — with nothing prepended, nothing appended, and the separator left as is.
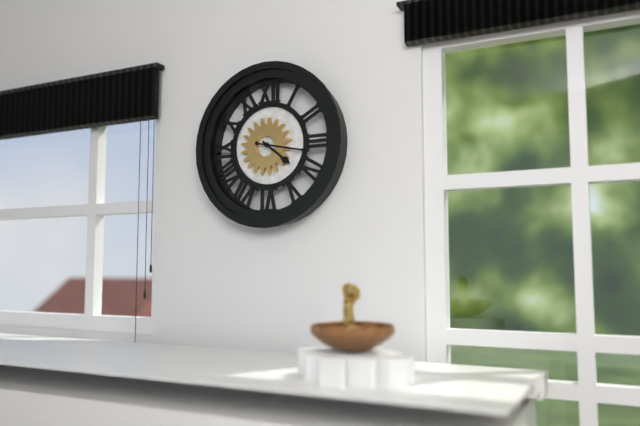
**4:17**
